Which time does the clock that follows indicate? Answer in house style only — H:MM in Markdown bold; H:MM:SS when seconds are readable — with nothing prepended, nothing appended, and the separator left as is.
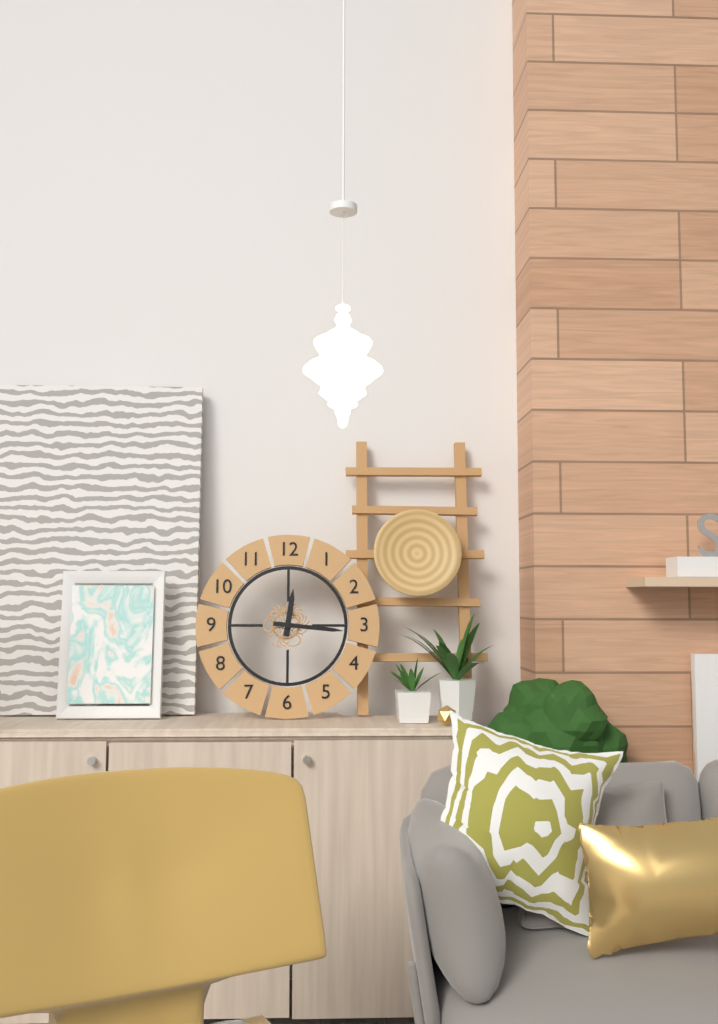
**12:16**
